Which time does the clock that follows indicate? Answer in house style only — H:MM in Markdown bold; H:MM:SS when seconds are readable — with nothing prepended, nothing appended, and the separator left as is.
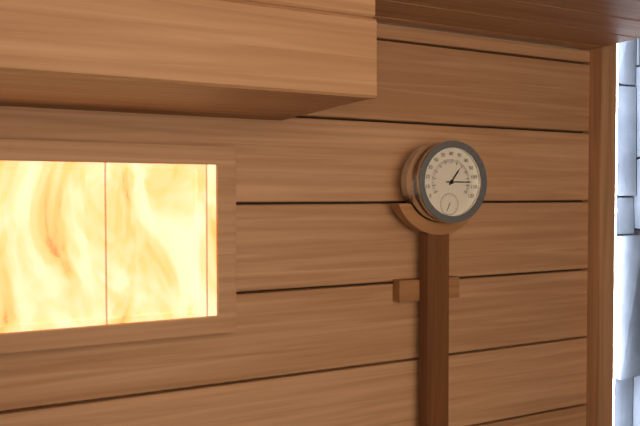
**1:15**
